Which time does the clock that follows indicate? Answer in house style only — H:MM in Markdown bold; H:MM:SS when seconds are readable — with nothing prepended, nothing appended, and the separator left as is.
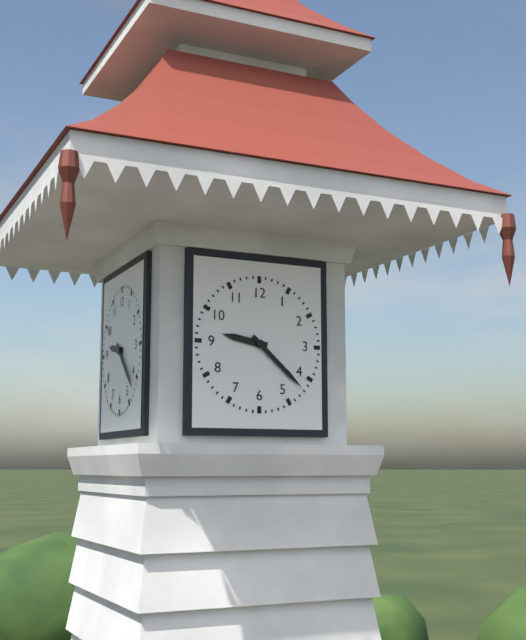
**9:22**
